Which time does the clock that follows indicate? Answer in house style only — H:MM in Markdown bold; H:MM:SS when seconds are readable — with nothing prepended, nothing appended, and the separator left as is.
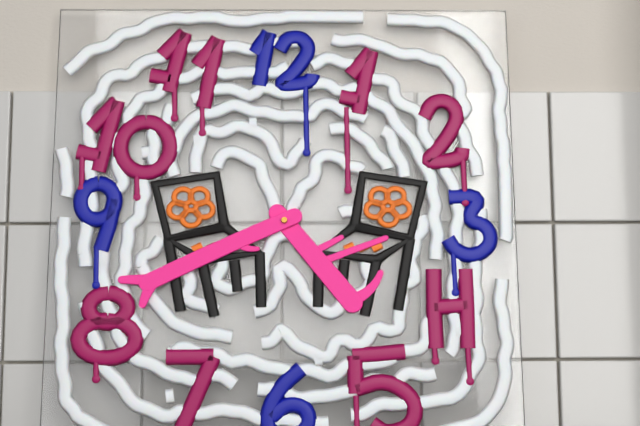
**4:41**
